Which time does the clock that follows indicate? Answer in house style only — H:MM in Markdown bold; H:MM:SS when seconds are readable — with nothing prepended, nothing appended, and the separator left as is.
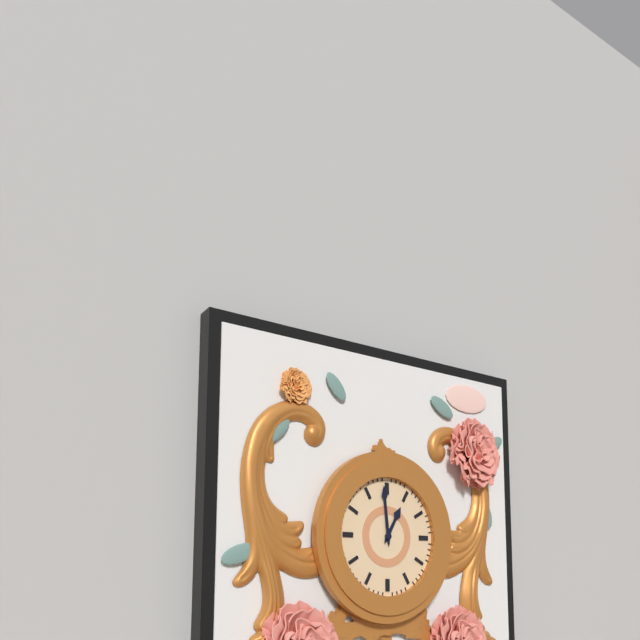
**12:59**
